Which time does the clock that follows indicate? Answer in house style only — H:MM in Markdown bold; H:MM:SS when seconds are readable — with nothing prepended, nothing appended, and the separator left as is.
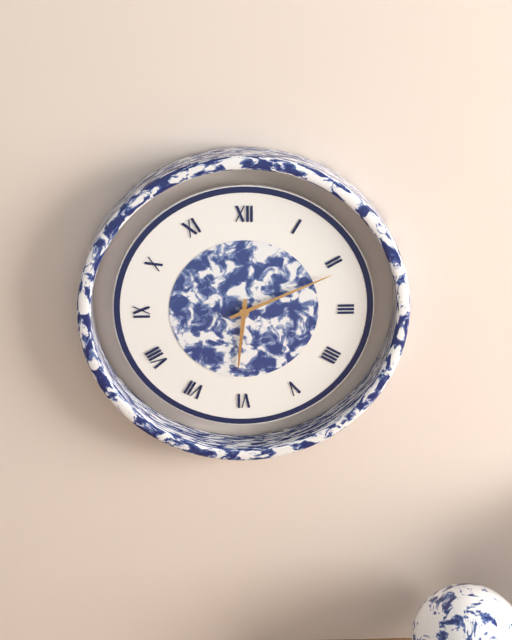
**6:11**
